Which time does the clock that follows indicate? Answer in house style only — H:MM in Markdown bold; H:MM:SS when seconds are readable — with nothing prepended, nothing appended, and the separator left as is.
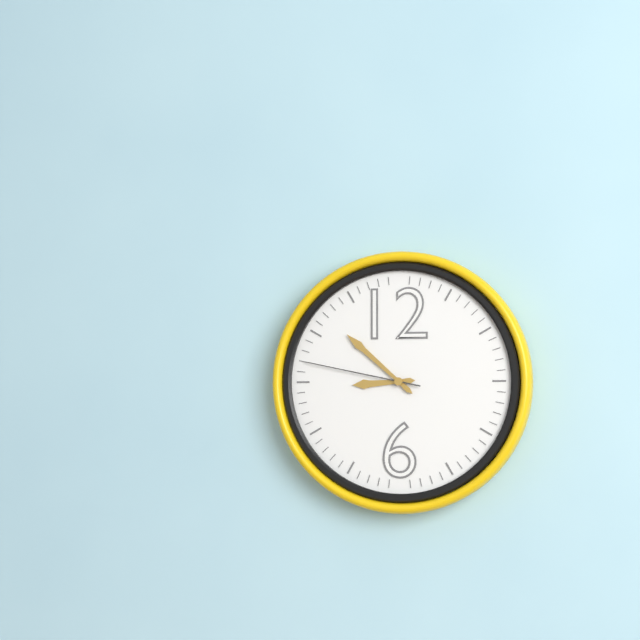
**8:52:47**
